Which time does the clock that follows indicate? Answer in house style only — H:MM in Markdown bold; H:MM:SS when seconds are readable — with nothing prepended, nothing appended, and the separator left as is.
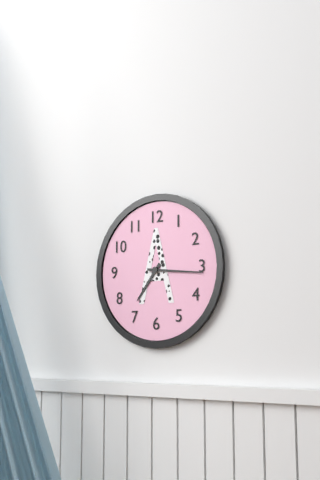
**7:16**
